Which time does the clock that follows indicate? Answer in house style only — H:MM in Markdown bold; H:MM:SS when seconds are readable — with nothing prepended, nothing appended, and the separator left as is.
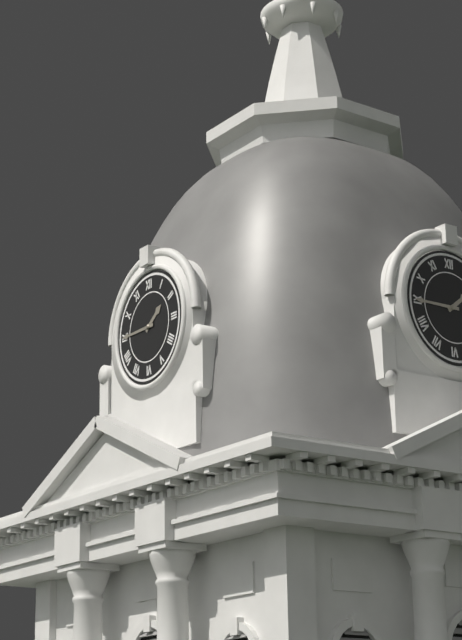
**1:45**
